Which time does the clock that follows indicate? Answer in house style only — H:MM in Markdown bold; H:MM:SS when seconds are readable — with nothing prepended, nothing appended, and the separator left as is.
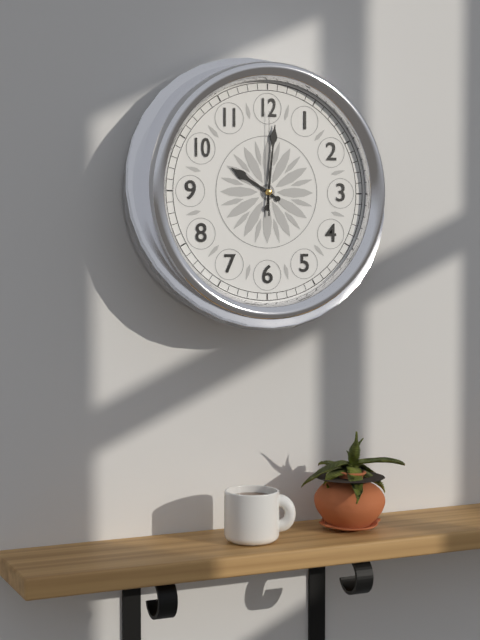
**10:01:00**
